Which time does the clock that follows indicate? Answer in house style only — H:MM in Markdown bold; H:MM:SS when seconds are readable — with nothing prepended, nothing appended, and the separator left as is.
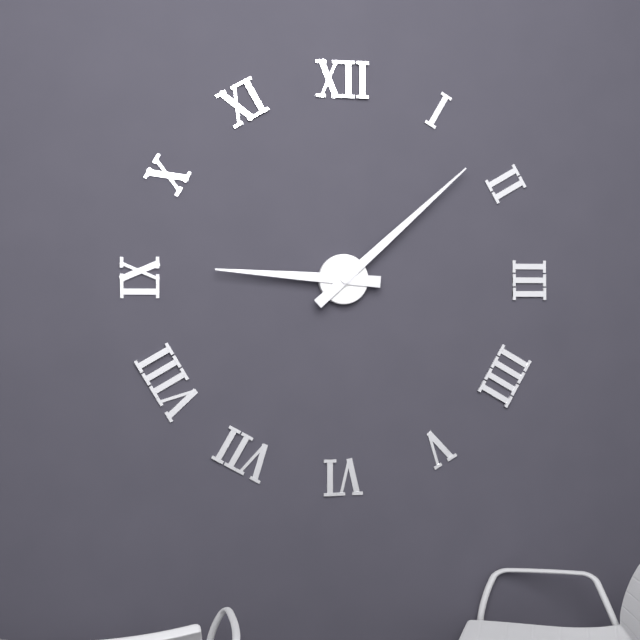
**9:08**
